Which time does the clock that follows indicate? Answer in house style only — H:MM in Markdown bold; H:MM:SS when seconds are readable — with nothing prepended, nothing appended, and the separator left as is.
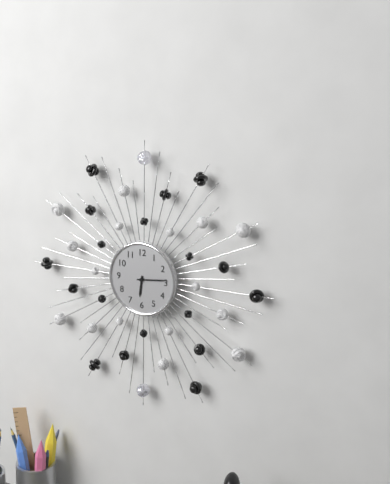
**6:14**
